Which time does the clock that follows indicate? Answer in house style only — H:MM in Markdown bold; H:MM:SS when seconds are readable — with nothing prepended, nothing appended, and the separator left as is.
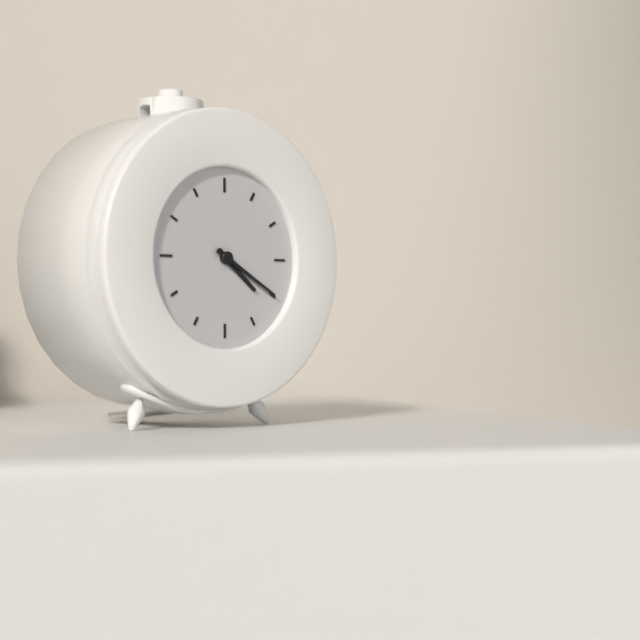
**4:20**
